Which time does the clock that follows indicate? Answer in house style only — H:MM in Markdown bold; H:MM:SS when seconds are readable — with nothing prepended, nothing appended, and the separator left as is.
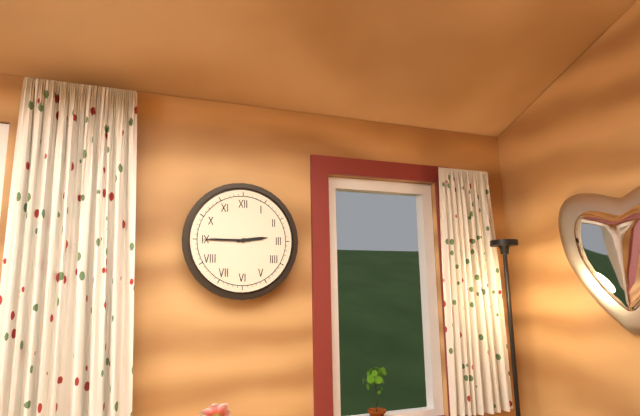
**2:45**
